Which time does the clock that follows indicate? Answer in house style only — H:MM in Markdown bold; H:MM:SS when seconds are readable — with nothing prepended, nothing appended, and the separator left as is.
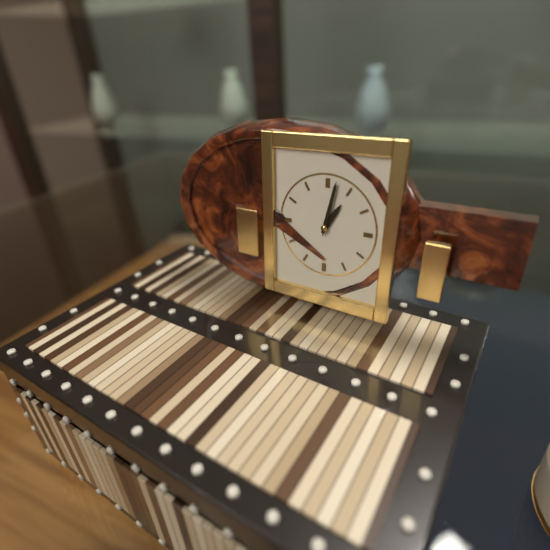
**1:02**
